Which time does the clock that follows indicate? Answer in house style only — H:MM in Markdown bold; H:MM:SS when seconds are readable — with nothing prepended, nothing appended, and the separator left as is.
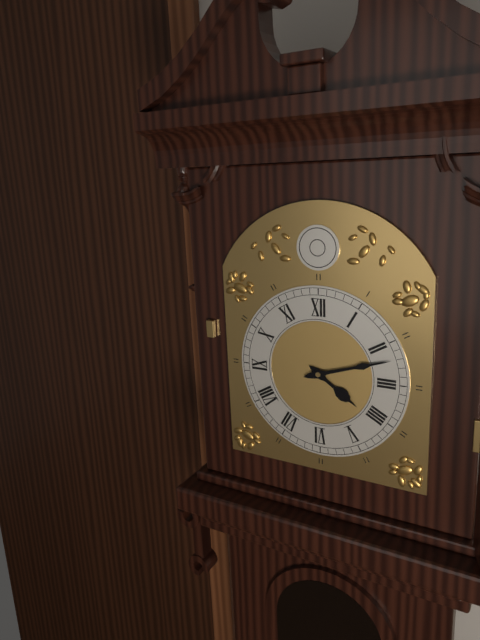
**4:12**
